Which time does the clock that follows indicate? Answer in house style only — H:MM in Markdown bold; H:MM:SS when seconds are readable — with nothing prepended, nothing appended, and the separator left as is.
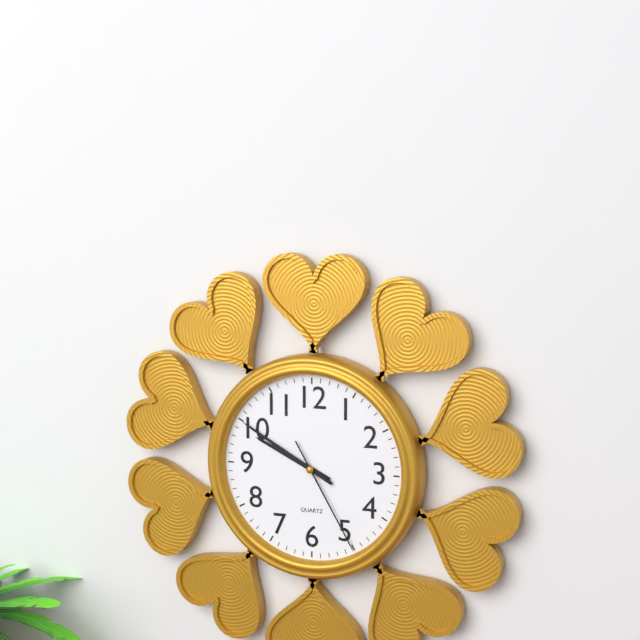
**9:50:25**
